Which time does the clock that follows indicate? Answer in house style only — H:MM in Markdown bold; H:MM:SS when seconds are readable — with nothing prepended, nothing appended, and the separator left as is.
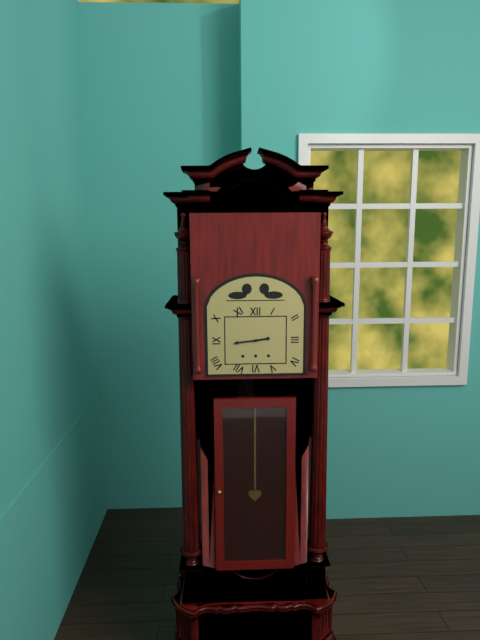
**2:44**
